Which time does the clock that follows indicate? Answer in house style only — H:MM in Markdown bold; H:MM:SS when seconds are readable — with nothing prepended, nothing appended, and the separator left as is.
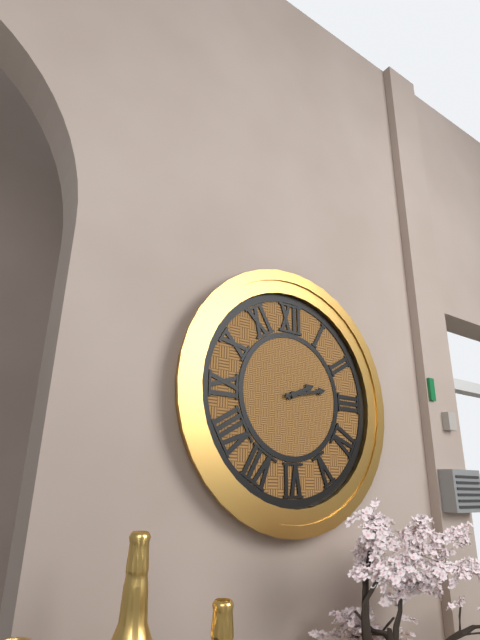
**2:13**
